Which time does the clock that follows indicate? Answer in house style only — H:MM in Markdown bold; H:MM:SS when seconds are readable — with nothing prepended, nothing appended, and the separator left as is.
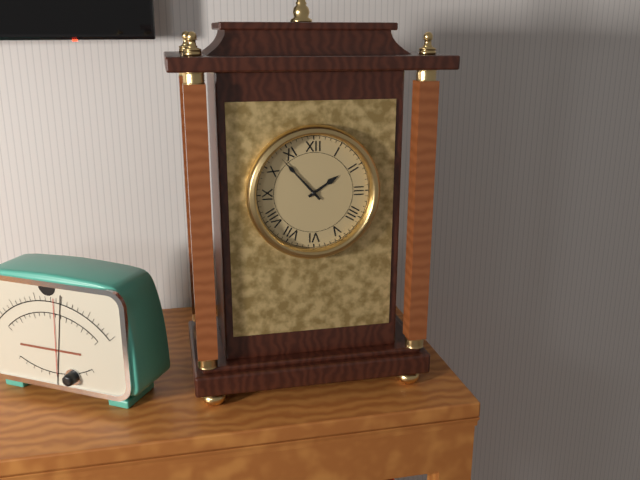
**1:53**
